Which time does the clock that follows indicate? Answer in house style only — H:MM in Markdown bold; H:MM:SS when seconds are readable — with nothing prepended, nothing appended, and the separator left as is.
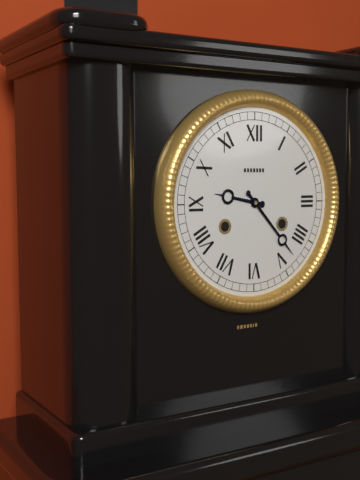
**9:23**
